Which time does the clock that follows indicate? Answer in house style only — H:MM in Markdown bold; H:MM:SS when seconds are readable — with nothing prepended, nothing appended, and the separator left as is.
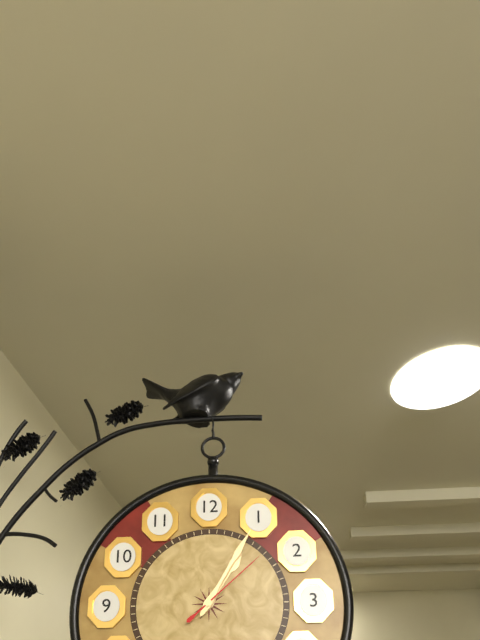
**1:05:08**
